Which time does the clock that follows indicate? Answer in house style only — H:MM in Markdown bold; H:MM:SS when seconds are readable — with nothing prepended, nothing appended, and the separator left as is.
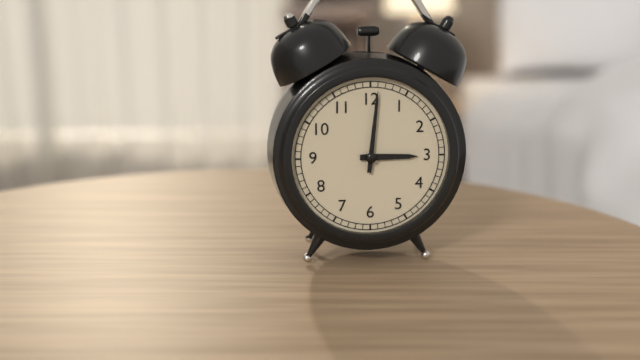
**3:01**
